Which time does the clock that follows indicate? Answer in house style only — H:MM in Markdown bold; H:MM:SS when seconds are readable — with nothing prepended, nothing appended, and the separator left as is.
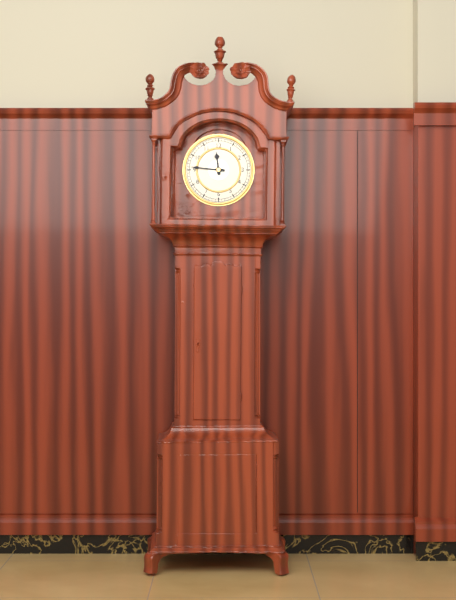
**11:46**
